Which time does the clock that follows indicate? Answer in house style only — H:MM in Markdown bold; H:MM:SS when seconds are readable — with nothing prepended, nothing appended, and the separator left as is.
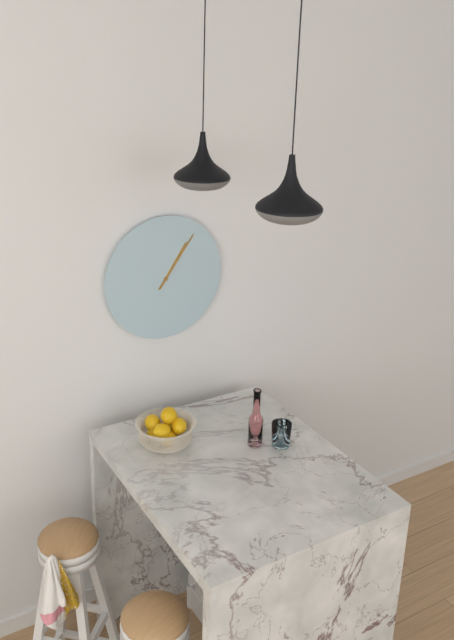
**1:06**
